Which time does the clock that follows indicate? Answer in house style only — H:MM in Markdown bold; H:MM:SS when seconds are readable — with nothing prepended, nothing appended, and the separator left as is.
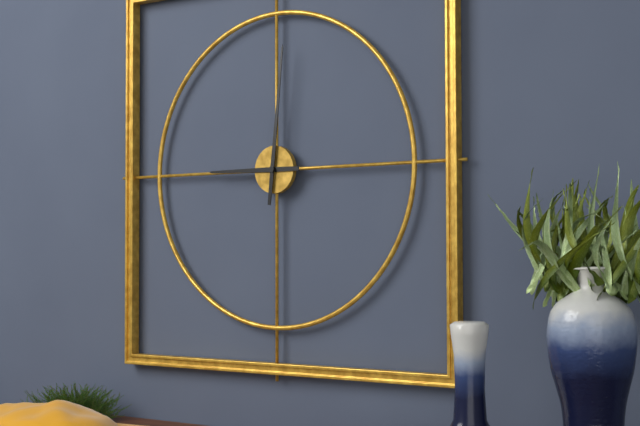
**9:01**
